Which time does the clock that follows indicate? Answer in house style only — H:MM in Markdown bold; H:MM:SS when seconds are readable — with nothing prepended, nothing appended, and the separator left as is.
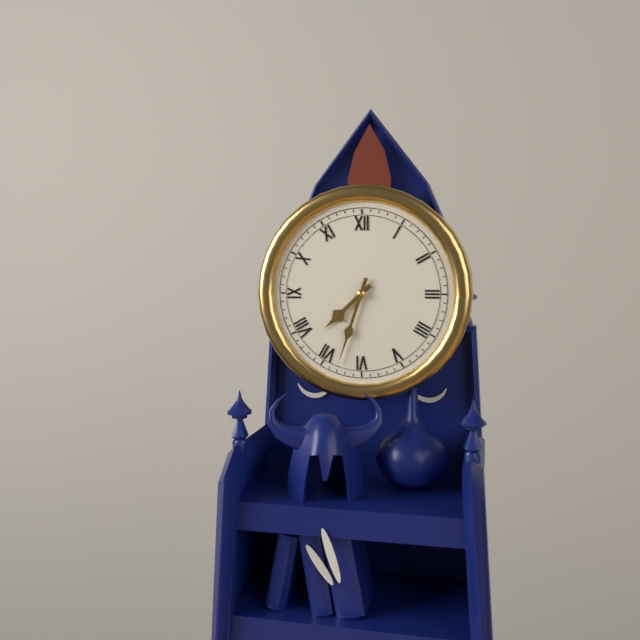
**7:33**
